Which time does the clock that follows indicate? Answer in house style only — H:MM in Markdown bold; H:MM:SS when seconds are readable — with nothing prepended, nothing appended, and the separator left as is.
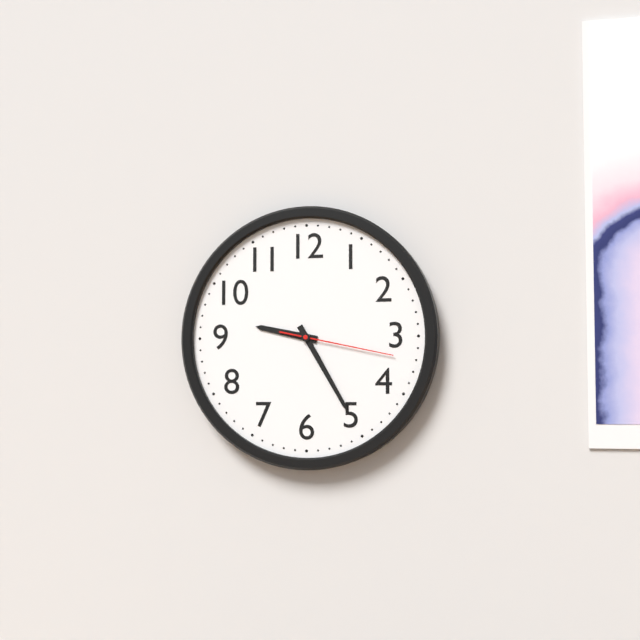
**9:25:17**
